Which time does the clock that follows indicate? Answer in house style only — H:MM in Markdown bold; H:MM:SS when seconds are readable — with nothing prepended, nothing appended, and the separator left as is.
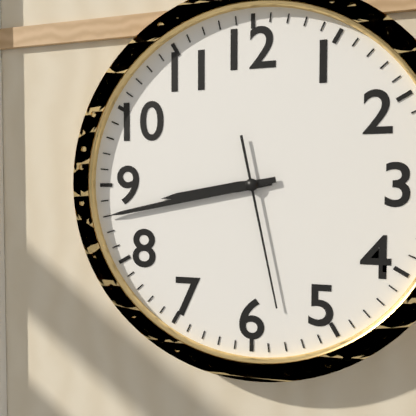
**8:43:28**
